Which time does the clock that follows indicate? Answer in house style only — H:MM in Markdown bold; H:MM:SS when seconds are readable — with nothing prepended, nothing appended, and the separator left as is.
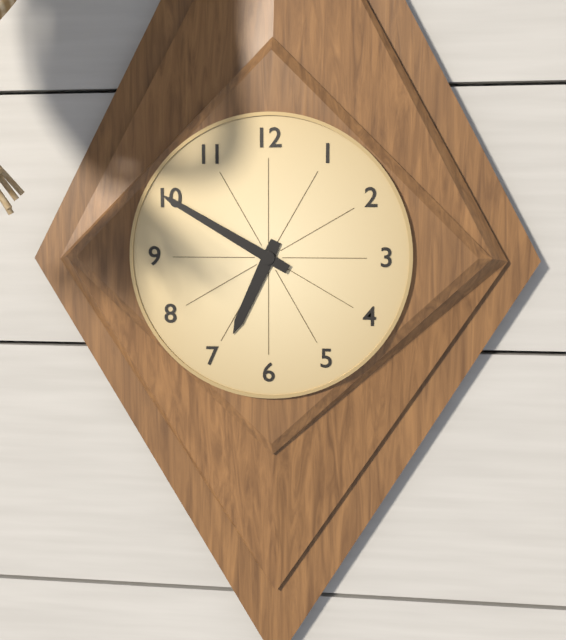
**6:50**
